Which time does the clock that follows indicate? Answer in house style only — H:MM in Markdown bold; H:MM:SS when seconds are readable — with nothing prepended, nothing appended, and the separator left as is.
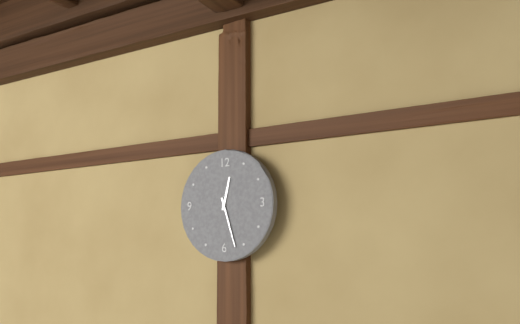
**12:27**
